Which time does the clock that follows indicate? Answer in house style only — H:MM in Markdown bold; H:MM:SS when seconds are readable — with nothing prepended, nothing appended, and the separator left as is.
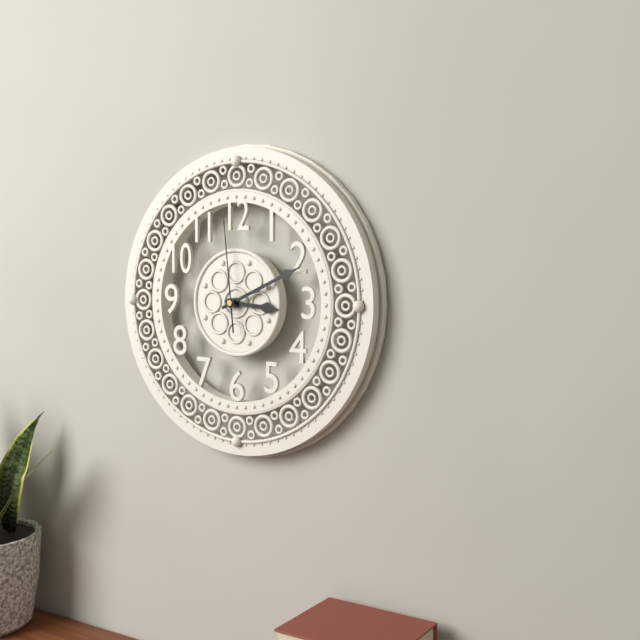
**3:11:59**
